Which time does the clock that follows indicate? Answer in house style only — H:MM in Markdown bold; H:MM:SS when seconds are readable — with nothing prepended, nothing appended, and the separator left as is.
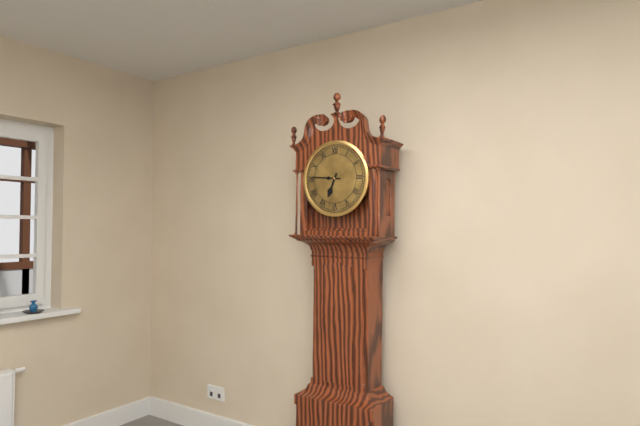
**6:46**
